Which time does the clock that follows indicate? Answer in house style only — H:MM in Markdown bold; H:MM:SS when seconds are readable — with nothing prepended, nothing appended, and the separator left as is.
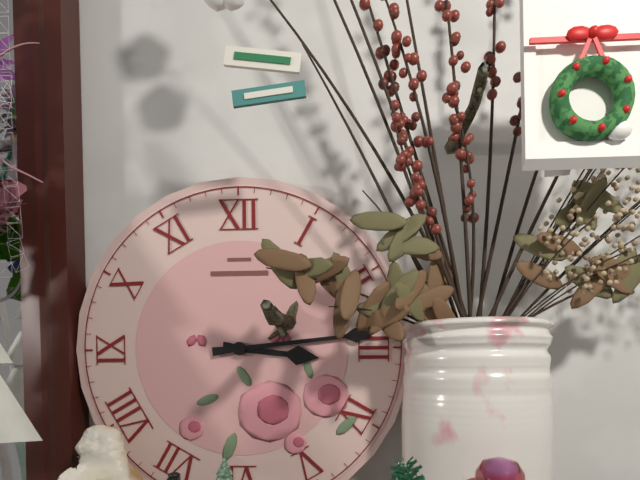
**3:14**
